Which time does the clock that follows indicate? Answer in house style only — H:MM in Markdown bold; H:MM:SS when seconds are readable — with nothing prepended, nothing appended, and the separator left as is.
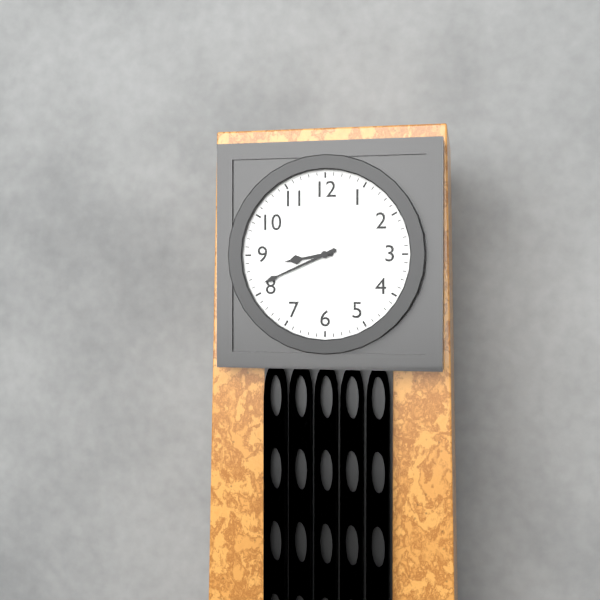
**8:41**
